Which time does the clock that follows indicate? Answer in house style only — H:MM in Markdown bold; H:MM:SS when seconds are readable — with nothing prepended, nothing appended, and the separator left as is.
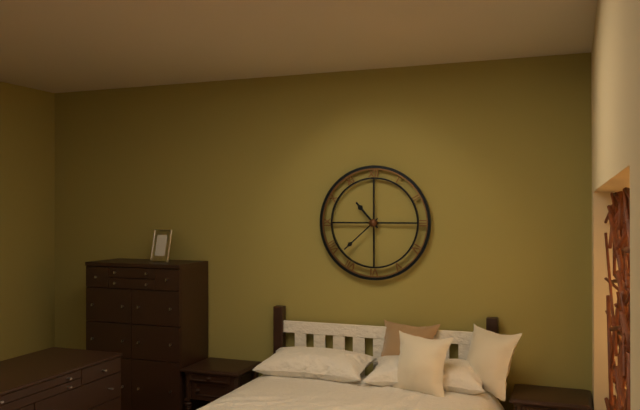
**10:38**
